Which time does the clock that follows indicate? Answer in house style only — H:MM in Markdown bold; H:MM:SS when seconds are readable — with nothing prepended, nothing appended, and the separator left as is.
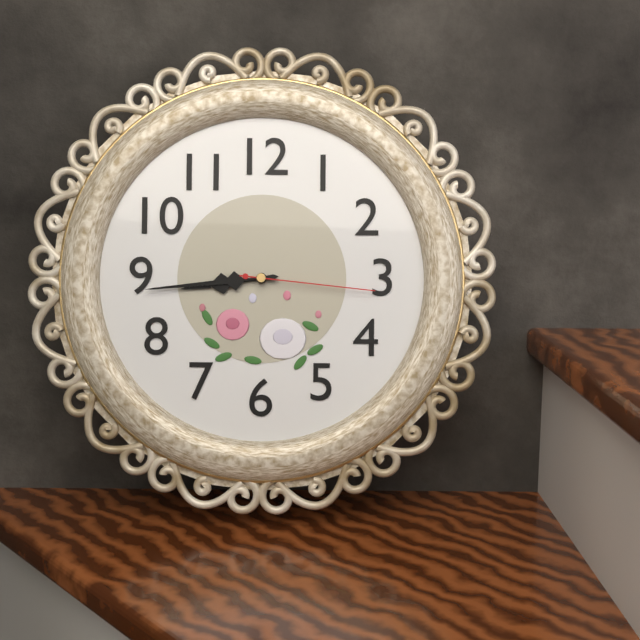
**8:44:16**
